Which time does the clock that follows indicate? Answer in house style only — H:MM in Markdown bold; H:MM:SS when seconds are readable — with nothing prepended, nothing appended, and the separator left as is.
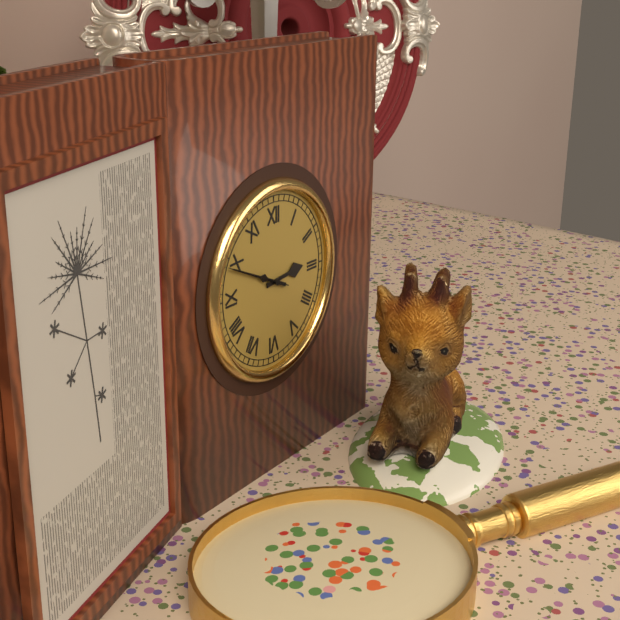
**2:49:49**
